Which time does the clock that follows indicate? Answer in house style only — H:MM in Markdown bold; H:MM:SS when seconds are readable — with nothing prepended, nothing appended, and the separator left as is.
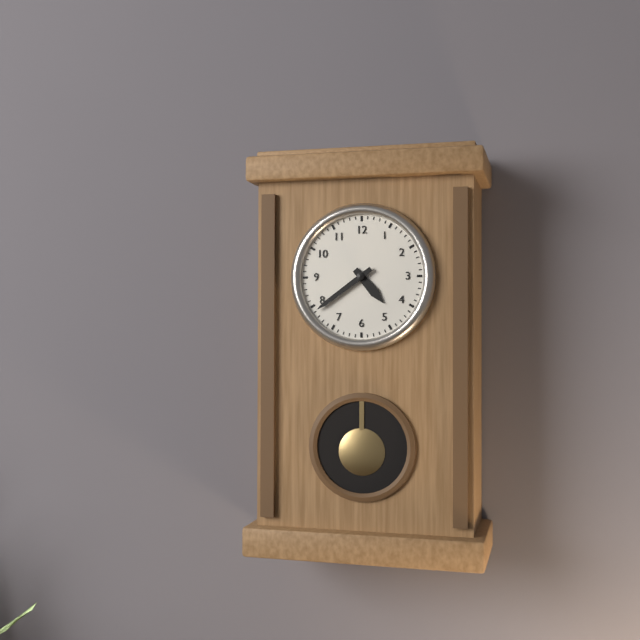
**4:39**
